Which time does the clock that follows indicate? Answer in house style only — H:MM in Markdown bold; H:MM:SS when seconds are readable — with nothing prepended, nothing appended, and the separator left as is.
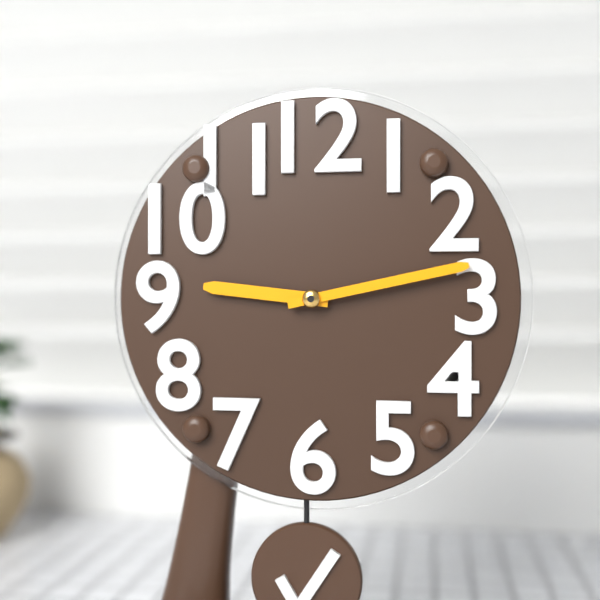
**9:13**
